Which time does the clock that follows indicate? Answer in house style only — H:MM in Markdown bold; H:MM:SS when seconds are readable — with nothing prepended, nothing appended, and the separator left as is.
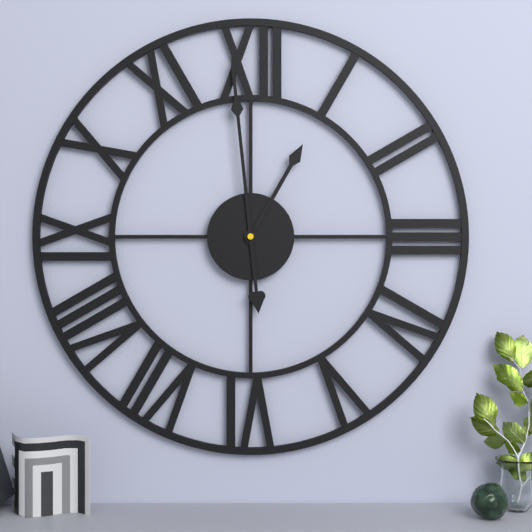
**12:59**
